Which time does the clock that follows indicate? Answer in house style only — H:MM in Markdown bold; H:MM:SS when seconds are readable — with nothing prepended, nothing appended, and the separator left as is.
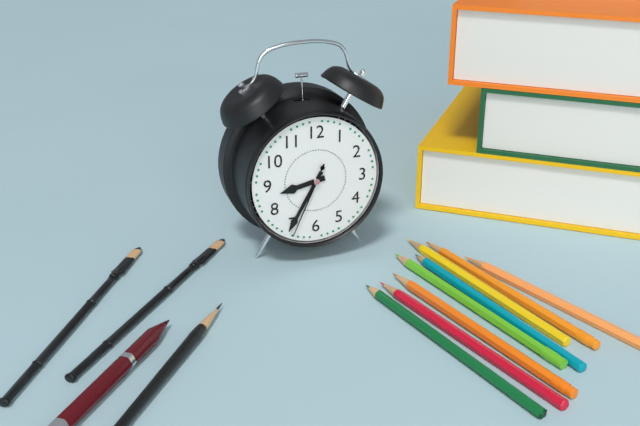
**8:35:34**
